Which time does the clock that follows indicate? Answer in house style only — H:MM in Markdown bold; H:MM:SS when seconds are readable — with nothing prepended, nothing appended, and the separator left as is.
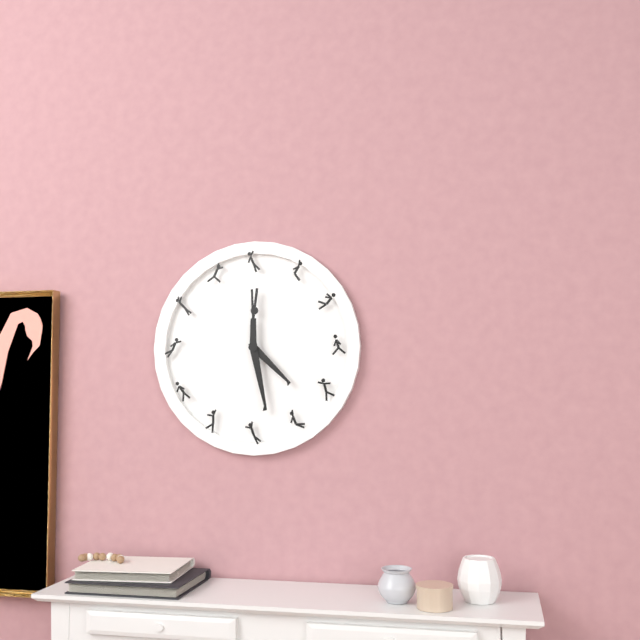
**4:28**
